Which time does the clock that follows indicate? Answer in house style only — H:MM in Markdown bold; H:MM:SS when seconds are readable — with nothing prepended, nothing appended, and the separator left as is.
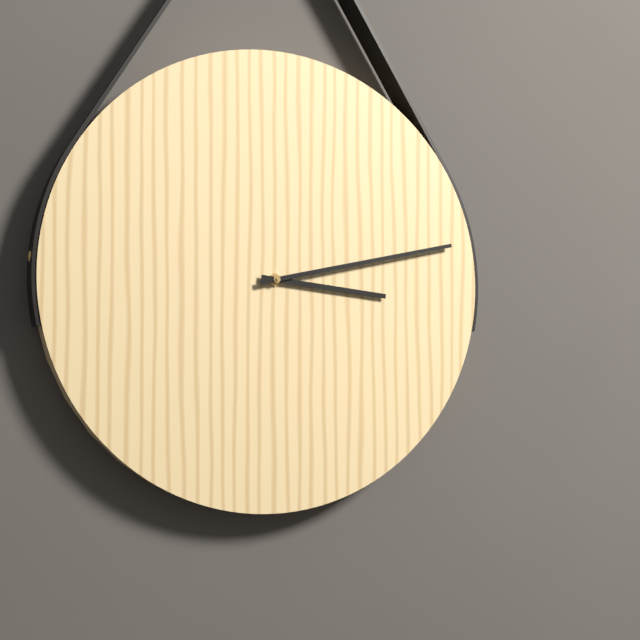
**3:13**
